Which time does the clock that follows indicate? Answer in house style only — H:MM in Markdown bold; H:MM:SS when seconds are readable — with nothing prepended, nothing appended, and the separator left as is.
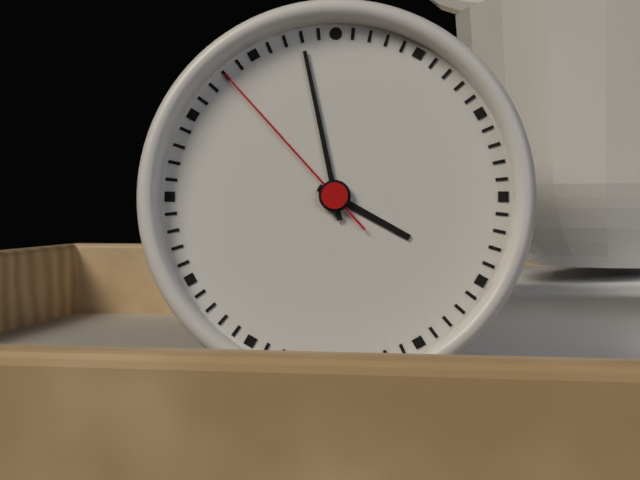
**3:58:53**
